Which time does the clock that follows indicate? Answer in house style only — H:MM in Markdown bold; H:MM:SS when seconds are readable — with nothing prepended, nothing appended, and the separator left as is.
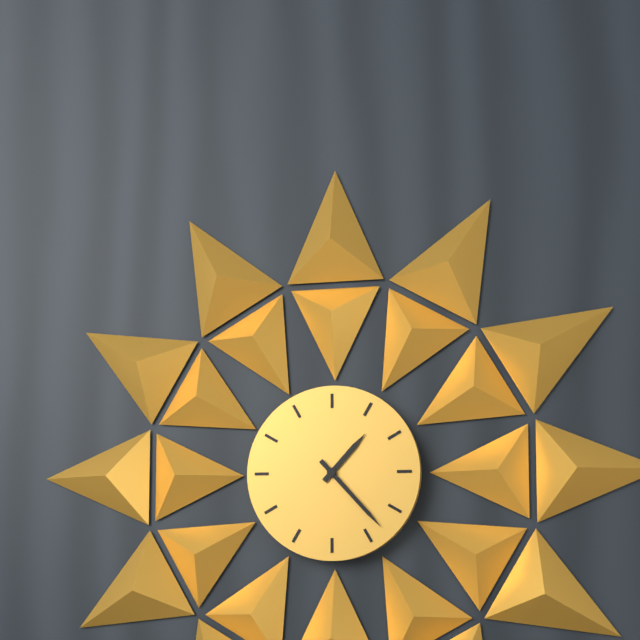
**1:23**
